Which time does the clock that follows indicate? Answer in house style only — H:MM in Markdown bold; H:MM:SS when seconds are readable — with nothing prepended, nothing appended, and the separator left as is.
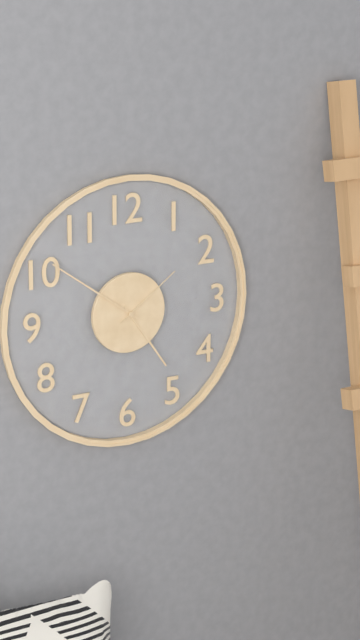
**4:51:09**
